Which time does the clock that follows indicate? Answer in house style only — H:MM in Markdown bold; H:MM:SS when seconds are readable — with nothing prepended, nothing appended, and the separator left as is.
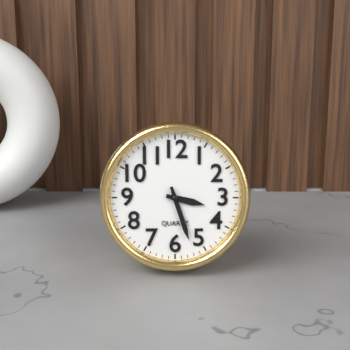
**3:27**
